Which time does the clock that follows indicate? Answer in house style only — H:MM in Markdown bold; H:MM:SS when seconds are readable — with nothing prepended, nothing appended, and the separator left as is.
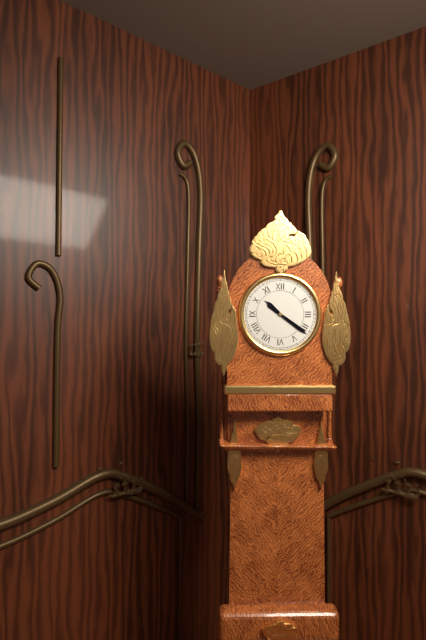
**10:21**
